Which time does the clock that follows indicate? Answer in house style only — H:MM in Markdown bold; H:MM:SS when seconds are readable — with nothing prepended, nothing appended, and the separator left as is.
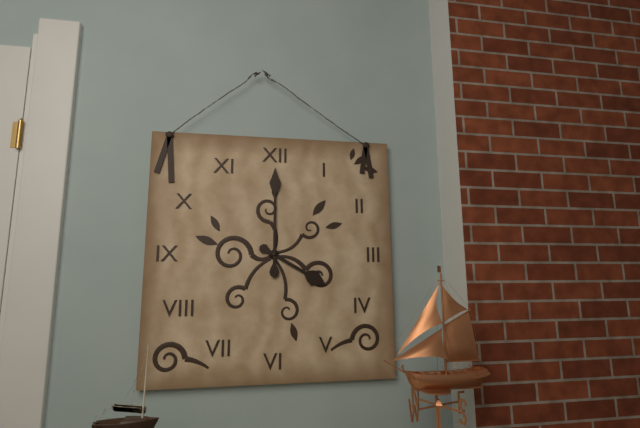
**4:00**
